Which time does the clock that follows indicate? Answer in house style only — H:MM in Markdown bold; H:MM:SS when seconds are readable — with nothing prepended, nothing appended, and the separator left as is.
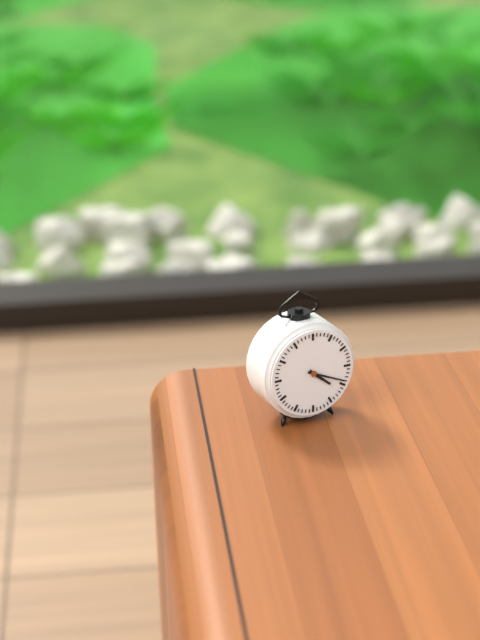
**4:19**
